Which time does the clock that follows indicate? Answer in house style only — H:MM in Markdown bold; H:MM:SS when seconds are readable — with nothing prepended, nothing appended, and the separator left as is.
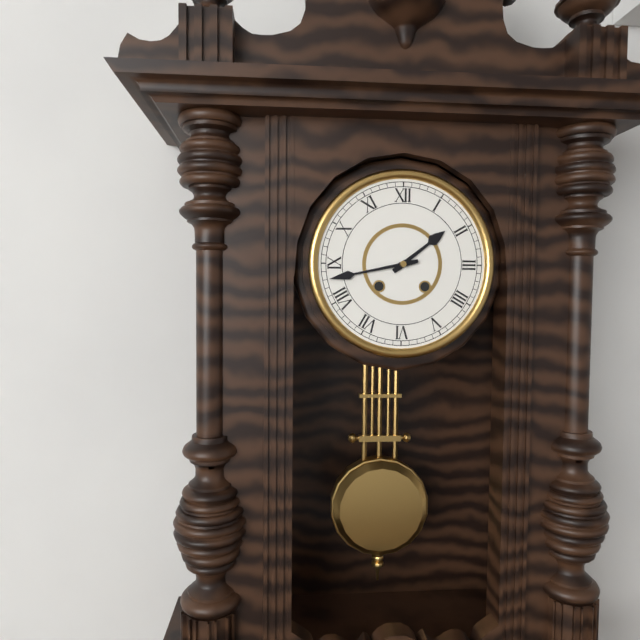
**1:43**
